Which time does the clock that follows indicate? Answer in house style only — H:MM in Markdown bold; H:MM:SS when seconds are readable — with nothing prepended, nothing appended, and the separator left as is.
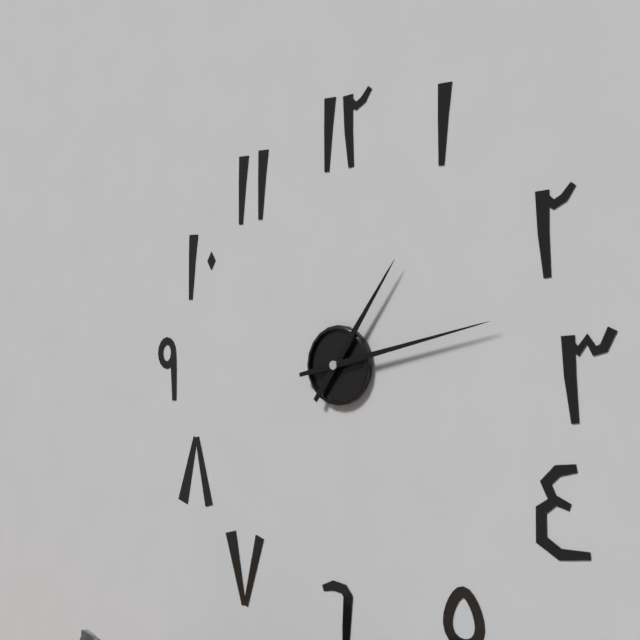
**1:13**
